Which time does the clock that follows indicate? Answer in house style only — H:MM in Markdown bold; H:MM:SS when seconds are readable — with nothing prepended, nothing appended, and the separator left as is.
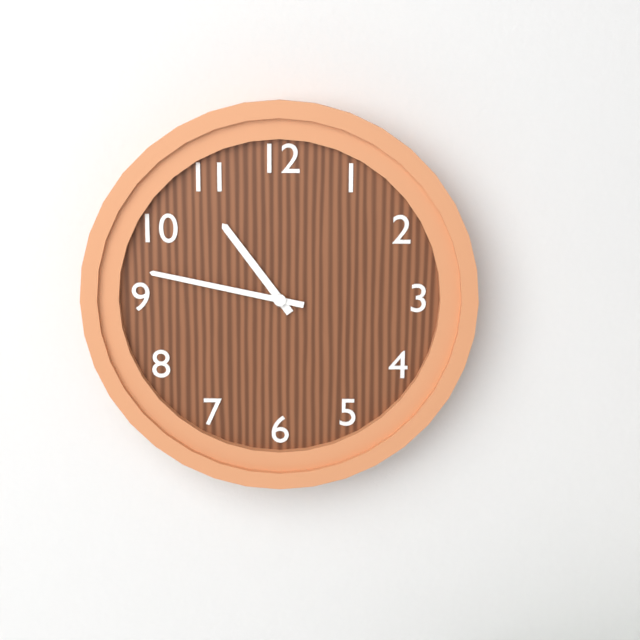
**10:47**
